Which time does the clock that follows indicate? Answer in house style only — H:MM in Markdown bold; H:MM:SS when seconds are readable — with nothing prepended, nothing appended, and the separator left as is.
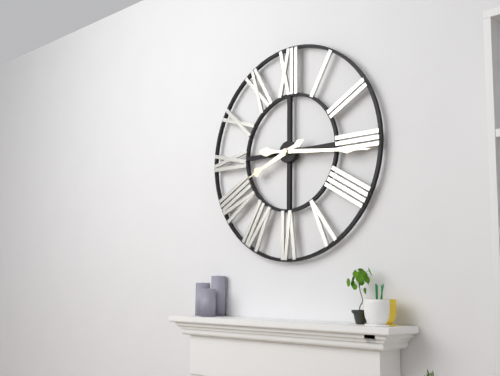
**8:16**
